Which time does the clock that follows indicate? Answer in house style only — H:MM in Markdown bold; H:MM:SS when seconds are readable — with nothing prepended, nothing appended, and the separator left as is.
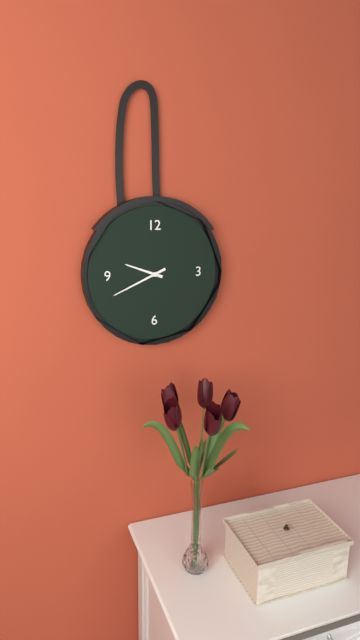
**9:41**
